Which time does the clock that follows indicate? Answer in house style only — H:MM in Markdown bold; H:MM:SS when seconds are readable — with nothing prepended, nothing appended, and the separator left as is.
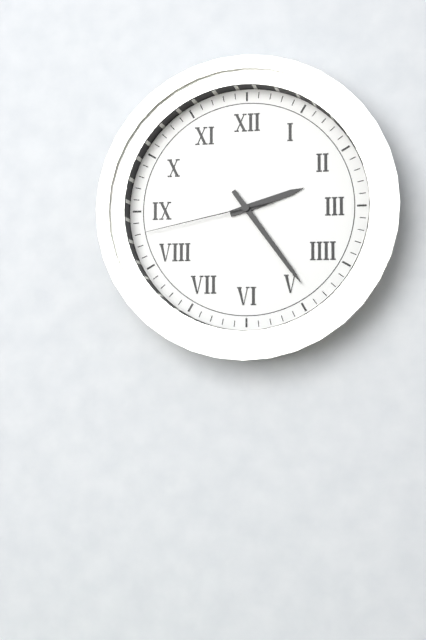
**2:24:43**
